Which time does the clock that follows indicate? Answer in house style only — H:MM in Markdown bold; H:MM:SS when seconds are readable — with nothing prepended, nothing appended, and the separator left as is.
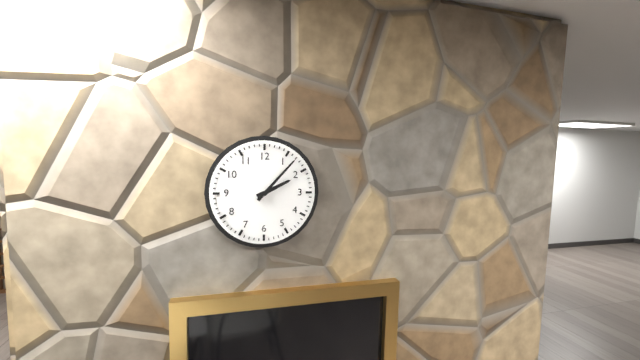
**2:07**
